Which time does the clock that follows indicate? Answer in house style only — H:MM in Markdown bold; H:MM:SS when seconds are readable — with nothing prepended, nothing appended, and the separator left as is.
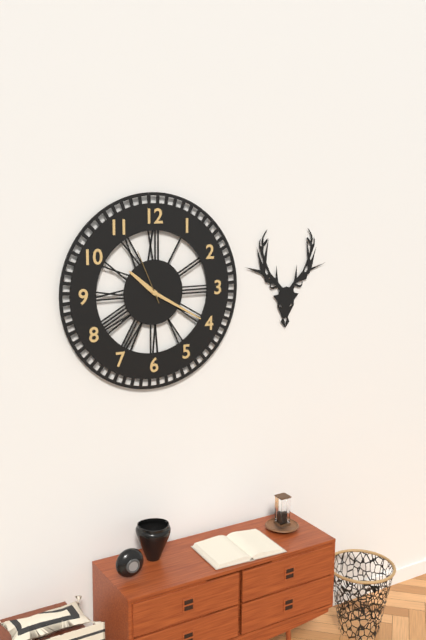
**10:20:56**
